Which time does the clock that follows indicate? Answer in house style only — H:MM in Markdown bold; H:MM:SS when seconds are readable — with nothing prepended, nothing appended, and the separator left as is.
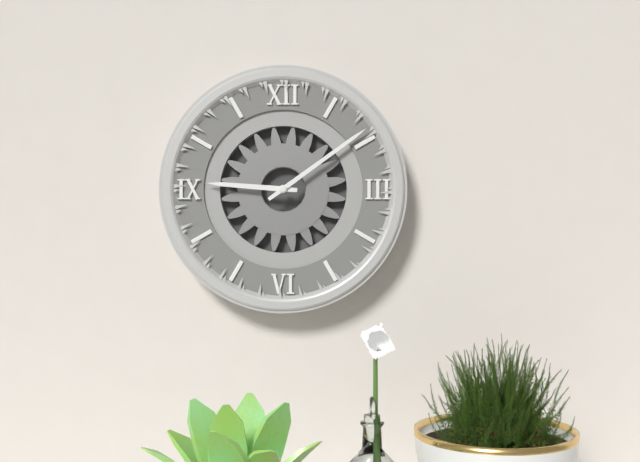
**9:09**
